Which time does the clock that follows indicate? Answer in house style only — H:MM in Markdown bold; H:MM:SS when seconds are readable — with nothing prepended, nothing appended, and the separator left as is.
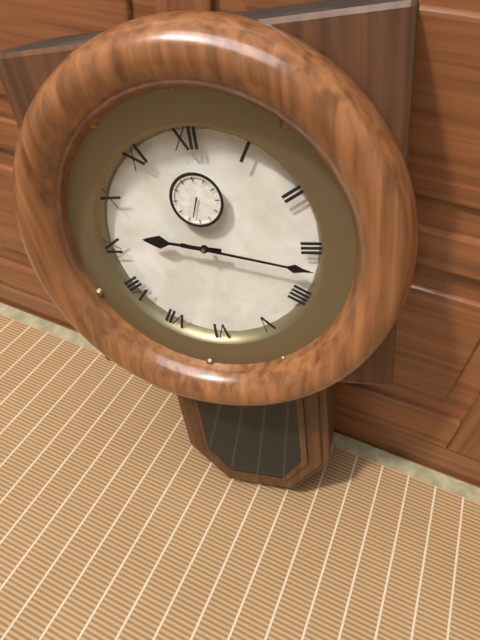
**9:17**
